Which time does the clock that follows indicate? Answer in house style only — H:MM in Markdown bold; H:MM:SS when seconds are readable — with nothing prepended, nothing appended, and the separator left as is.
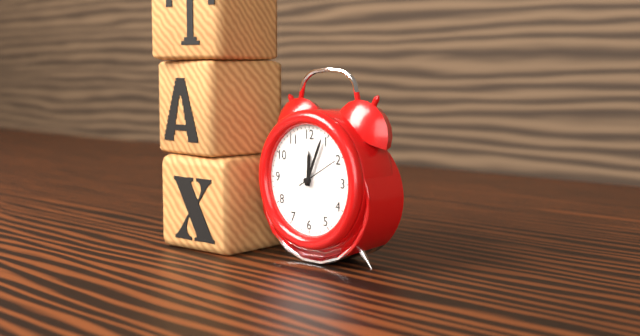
**12:04**
